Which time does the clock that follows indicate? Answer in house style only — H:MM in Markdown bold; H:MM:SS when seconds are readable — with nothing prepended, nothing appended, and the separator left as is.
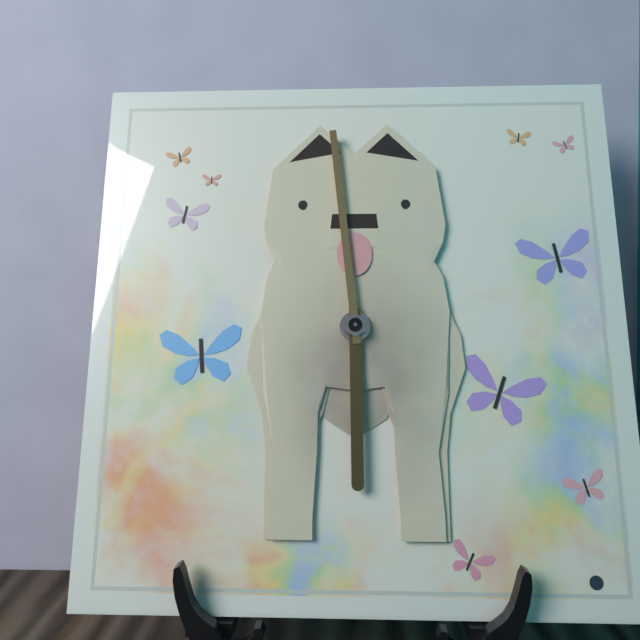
**5:59**
